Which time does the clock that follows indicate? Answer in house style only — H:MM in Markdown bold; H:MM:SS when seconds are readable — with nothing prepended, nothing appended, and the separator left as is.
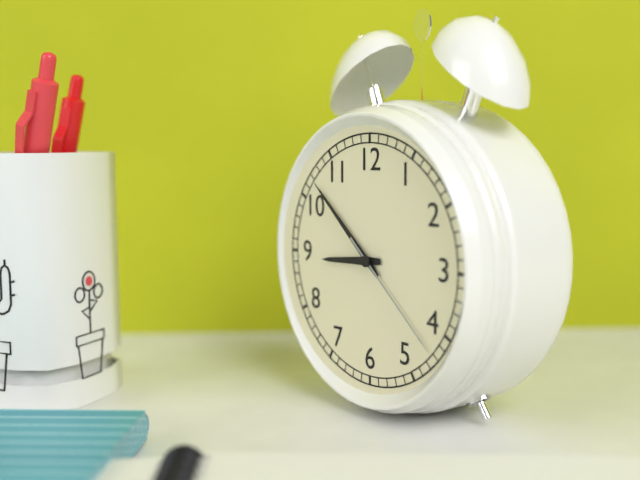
**8:52:22**
